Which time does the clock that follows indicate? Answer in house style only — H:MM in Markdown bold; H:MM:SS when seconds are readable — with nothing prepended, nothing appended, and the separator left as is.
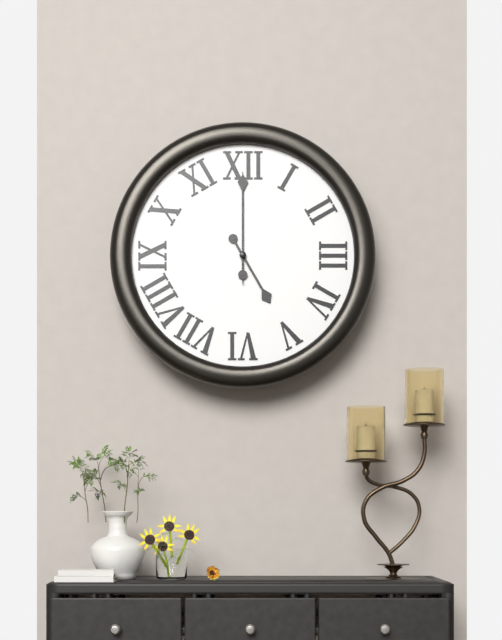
**5:00:00**
